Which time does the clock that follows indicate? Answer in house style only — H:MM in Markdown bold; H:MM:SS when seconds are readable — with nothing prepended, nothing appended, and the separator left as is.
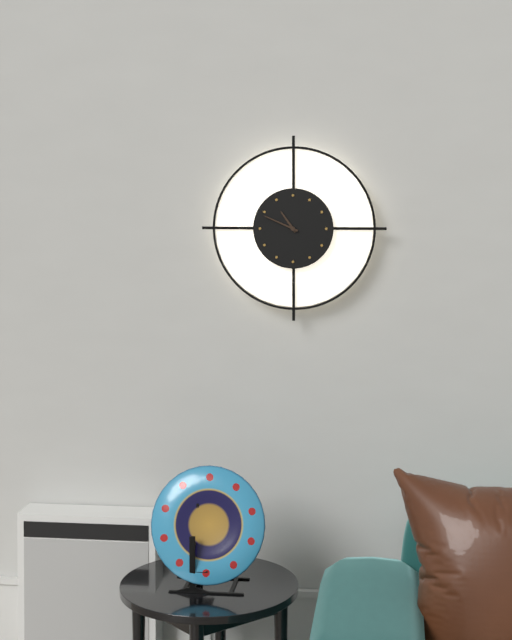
**10:49**
